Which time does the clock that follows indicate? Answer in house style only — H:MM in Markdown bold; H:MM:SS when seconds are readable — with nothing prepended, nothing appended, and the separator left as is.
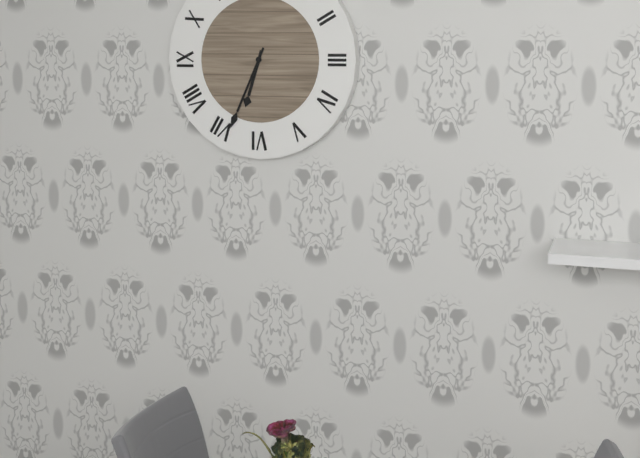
**6:34**
